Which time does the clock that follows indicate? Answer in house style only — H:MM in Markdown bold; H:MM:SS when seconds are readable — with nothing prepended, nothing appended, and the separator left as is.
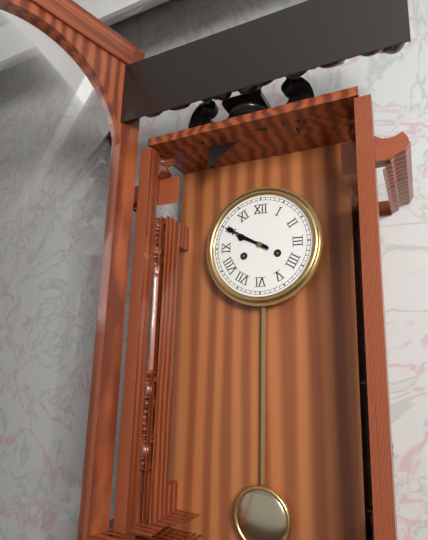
**9:50**
